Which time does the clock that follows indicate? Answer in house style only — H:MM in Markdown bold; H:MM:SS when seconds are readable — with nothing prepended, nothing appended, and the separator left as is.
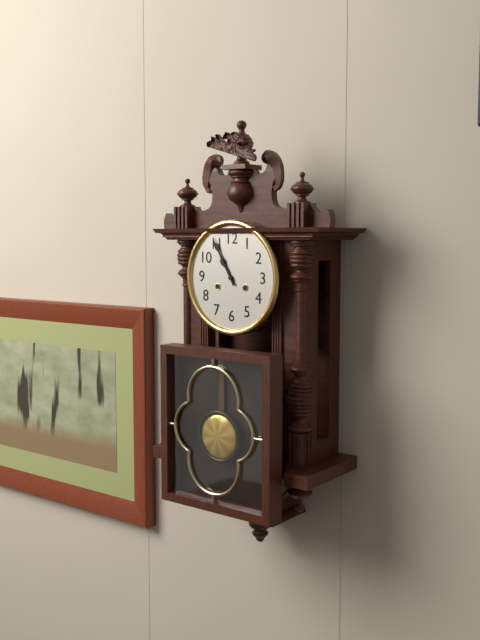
**10:55**
